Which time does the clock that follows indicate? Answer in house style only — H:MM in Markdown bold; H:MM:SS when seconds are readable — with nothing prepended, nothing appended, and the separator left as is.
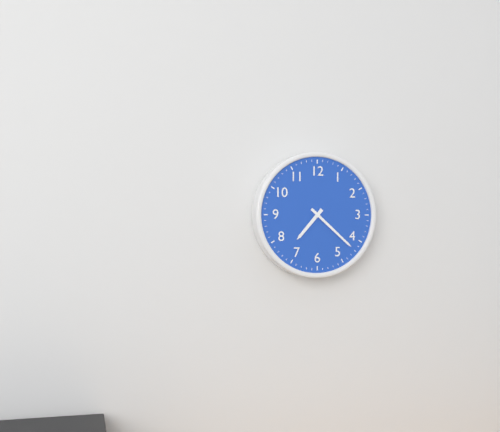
**7:22**
